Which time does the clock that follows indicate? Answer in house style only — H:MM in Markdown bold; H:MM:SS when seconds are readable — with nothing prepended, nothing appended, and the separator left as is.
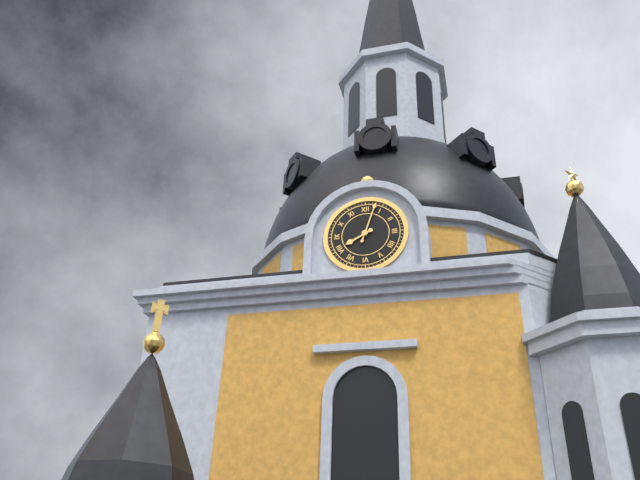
**8:03**
